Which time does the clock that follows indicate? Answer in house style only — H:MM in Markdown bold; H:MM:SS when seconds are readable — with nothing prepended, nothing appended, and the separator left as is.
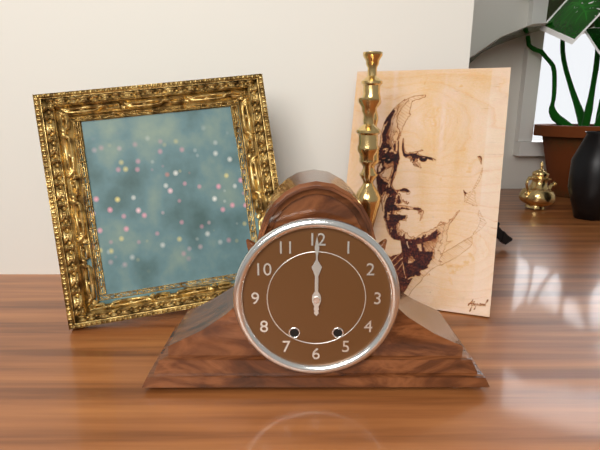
**12:00**
